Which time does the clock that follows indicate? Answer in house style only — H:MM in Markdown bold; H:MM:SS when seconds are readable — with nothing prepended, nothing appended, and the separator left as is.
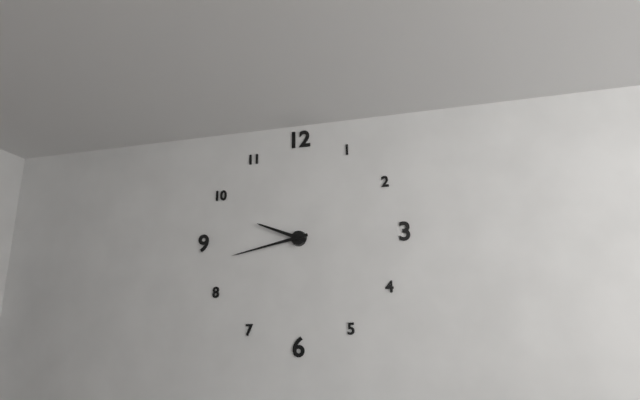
**9:43**
